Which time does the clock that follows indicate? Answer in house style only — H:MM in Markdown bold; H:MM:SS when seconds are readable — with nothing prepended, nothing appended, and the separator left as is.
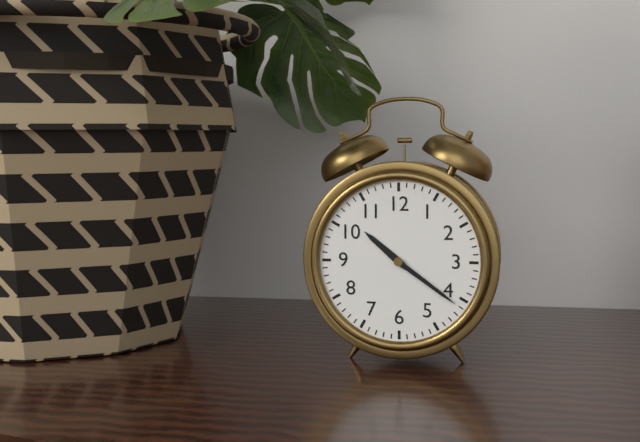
**10:21**
